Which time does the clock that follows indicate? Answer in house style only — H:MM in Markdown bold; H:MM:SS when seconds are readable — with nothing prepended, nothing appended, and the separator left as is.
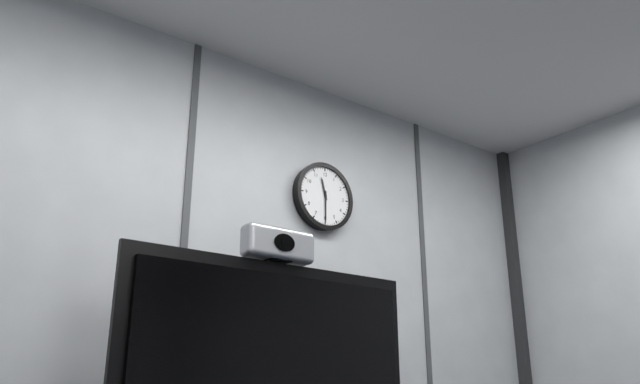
**11:30**
